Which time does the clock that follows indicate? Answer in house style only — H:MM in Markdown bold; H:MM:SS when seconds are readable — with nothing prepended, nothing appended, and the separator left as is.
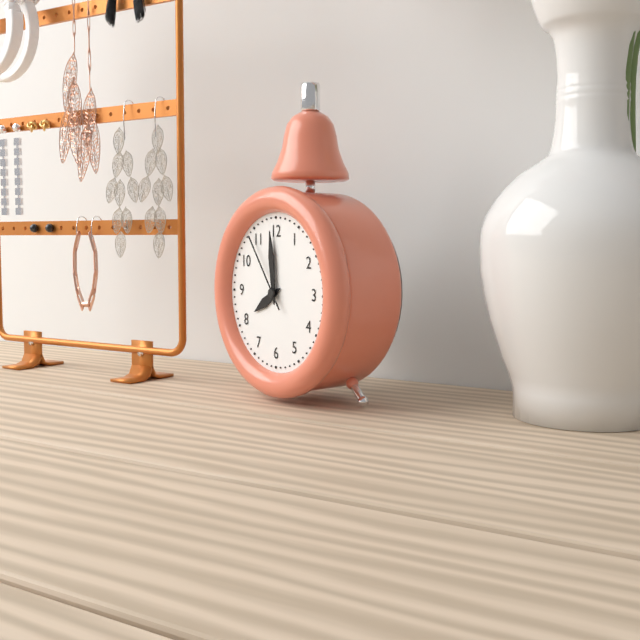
**7:59:54**
